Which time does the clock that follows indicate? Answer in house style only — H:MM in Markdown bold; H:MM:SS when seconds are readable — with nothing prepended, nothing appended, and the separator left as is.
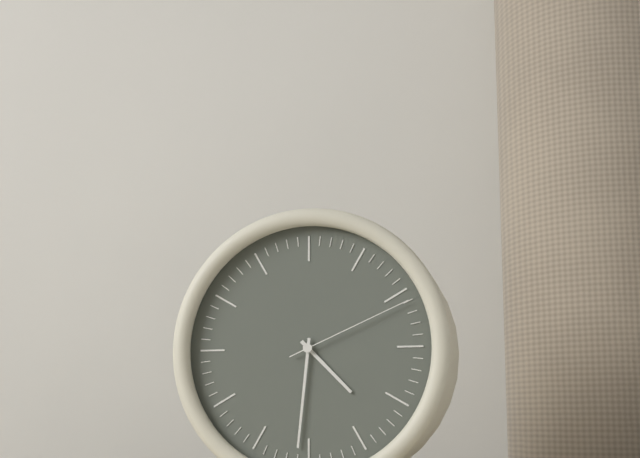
**4:31:11**
